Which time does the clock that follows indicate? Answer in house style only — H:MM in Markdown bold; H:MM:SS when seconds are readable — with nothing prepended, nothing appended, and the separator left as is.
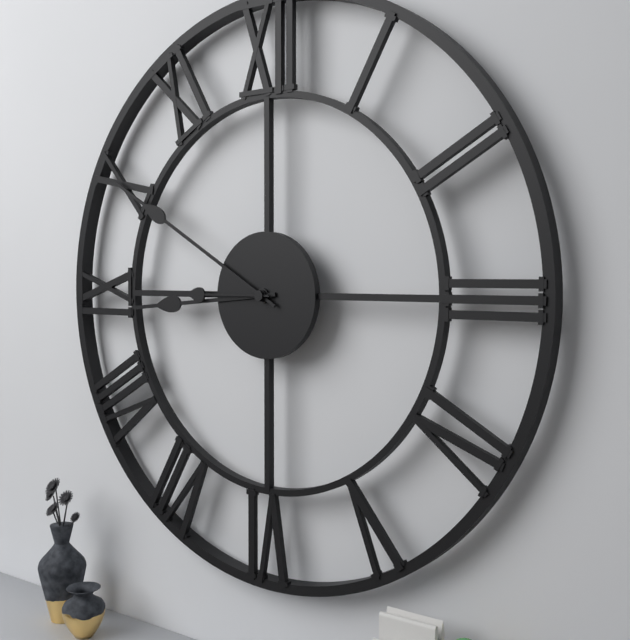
**8:50:45**
